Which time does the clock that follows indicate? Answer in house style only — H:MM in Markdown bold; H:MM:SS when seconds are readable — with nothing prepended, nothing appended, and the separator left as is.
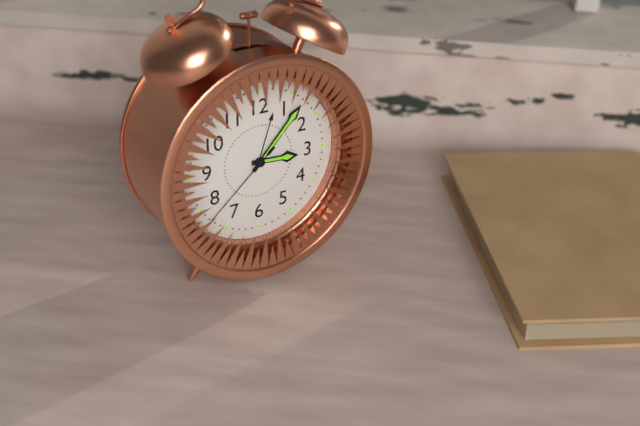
**3:07:38**
